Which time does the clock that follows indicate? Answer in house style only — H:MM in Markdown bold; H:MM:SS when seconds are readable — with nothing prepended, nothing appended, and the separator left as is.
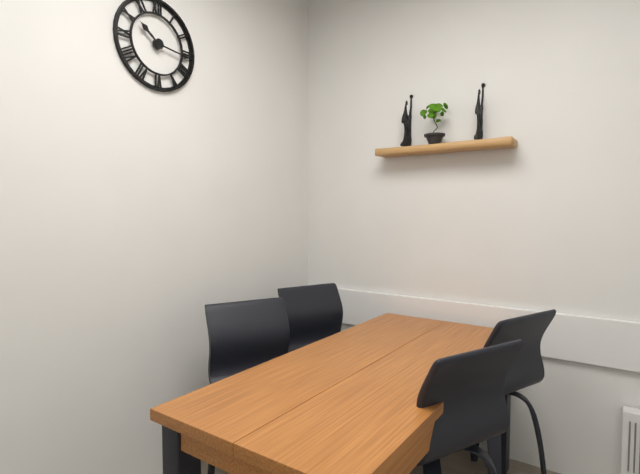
**10:16**
